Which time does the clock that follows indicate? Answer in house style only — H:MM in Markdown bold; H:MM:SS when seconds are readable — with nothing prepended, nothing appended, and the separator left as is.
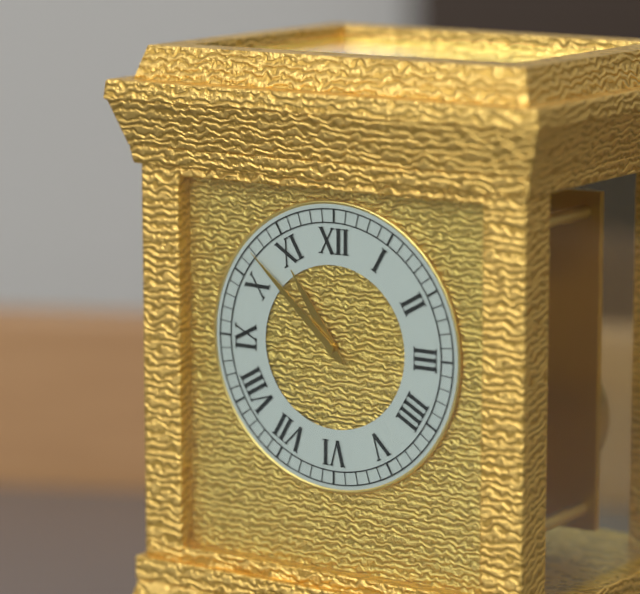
**10:52**
